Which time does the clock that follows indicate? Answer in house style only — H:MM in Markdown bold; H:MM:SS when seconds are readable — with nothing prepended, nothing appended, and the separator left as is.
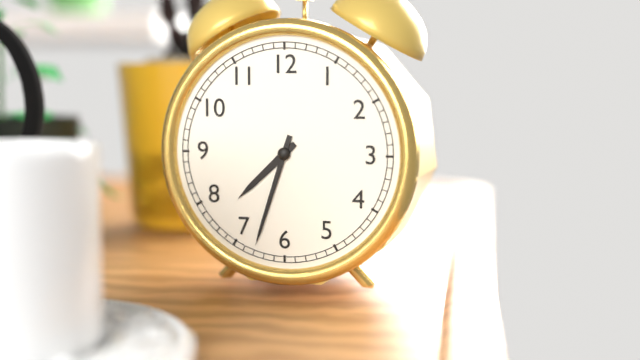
**7:33**
